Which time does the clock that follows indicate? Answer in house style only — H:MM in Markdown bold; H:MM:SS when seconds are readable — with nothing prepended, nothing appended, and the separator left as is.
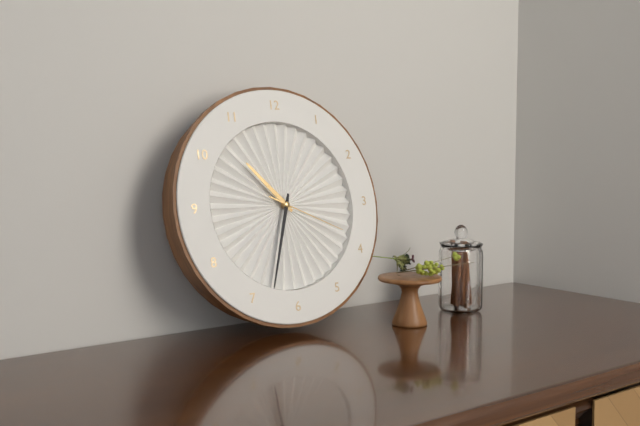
**10:33:19**
